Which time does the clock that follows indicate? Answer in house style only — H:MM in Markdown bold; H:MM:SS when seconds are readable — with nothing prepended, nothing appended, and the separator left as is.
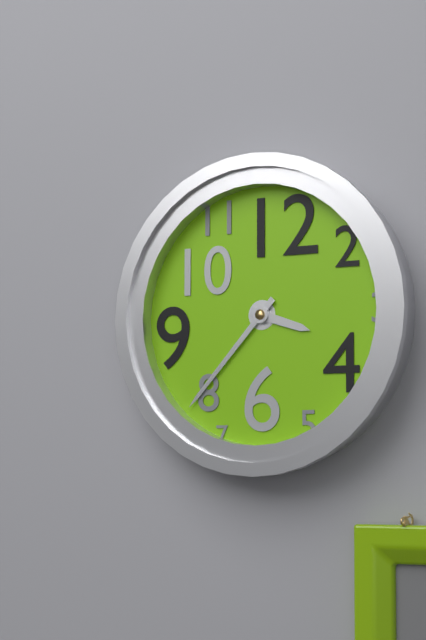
**3:37**
